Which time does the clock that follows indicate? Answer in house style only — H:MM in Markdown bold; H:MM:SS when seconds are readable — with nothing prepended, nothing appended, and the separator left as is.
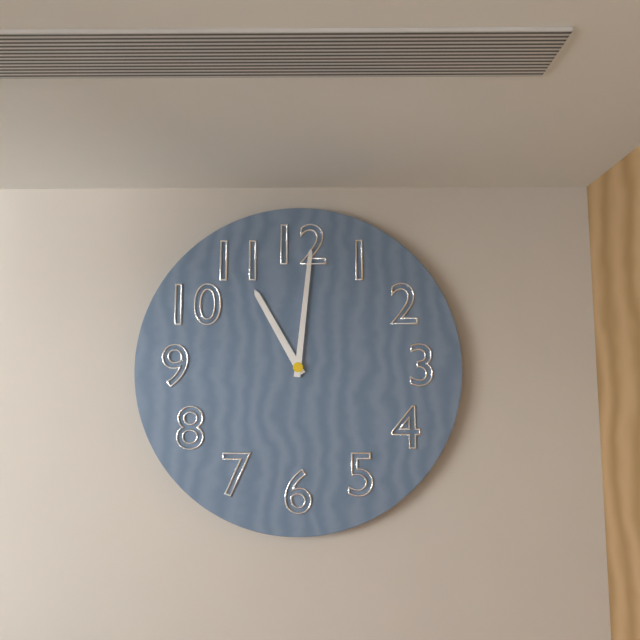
**11:01**
